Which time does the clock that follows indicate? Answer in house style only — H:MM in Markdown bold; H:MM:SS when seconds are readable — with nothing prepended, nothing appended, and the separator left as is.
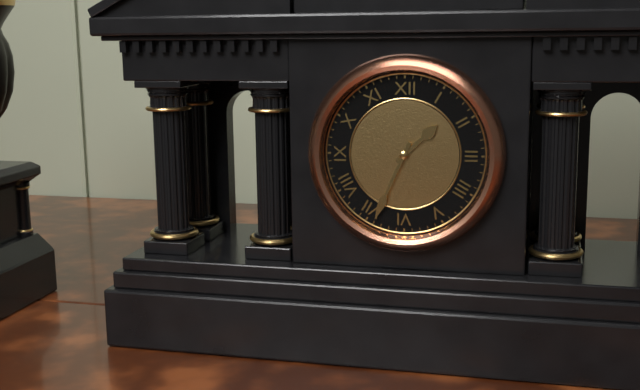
**1:34**
